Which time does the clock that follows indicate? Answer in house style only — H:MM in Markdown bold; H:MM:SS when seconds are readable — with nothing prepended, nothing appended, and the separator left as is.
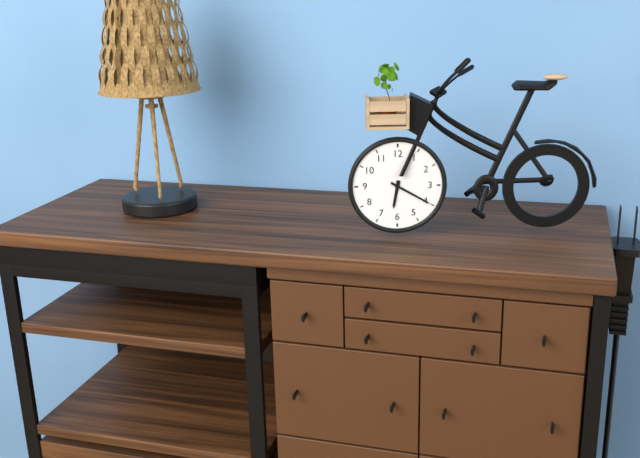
**6:20**
